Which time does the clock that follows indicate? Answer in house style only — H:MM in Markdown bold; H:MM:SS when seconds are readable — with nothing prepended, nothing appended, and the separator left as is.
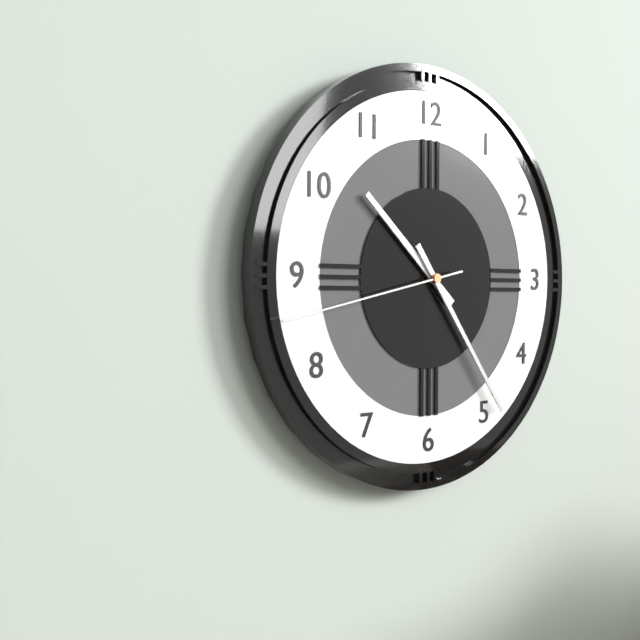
**10:24:43**
